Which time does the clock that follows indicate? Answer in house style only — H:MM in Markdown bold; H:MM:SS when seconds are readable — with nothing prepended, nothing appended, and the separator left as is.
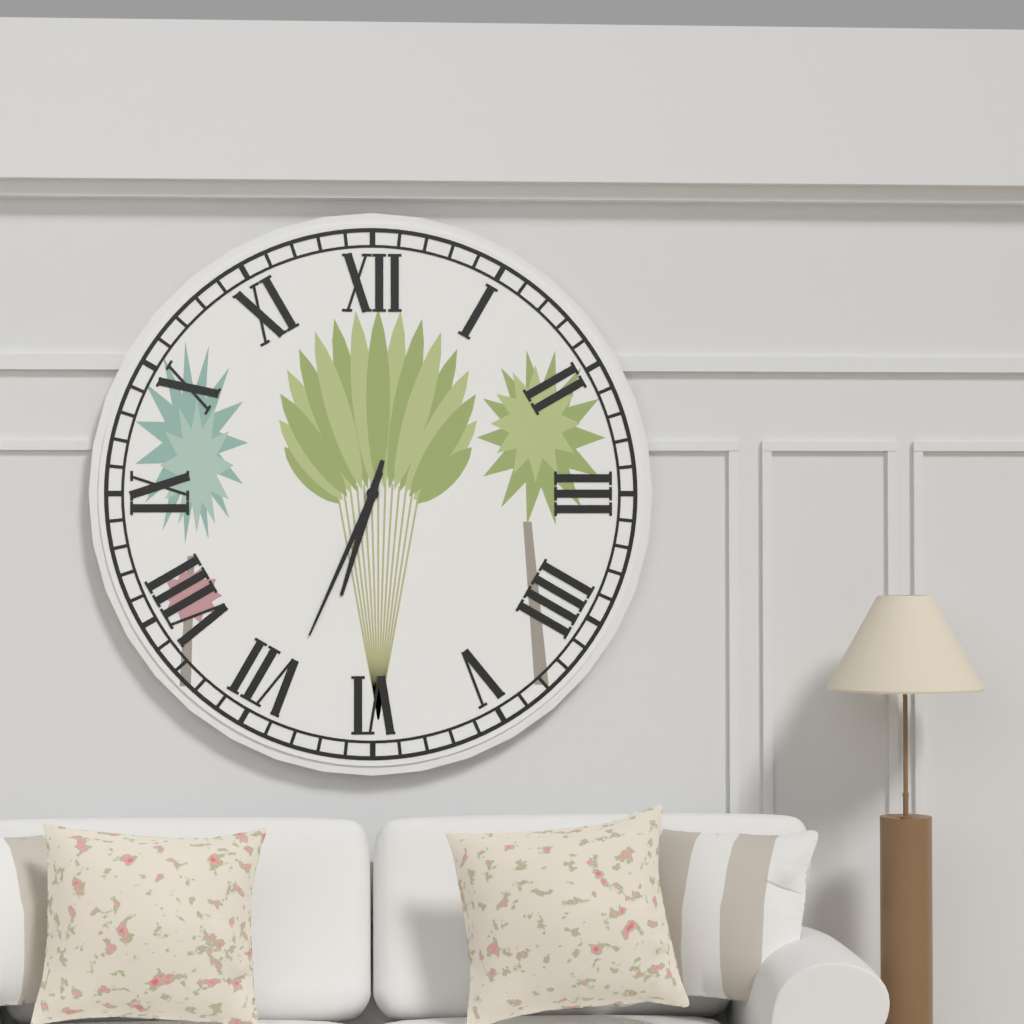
**6:34**
